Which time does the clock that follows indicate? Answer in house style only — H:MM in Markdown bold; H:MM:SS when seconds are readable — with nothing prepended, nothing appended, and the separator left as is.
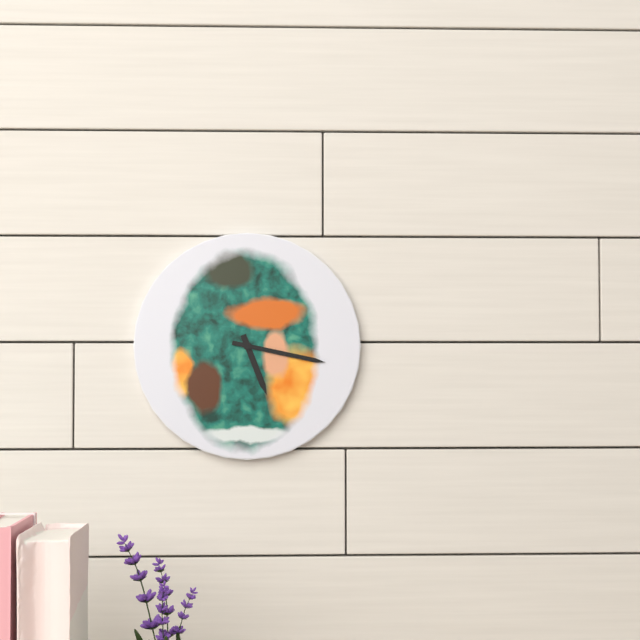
**5:17**
